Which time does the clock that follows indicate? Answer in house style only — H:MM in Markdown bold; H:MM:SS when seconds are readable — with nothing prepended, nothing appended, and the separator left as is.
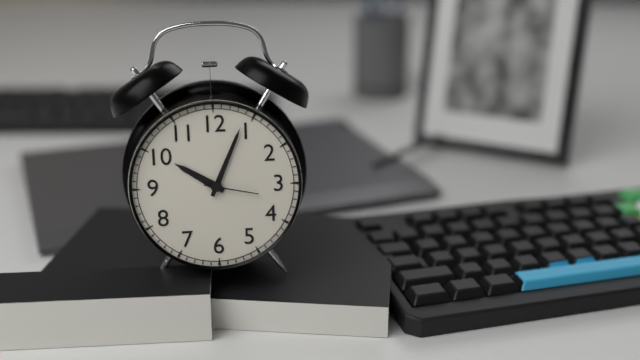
**10:04:17**
